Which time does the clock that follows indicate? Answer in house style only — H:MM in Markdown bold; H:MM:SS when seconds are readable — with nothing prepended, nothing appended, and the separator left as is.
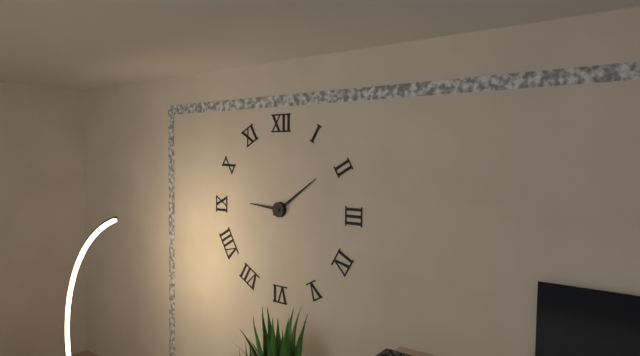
**9:09**
